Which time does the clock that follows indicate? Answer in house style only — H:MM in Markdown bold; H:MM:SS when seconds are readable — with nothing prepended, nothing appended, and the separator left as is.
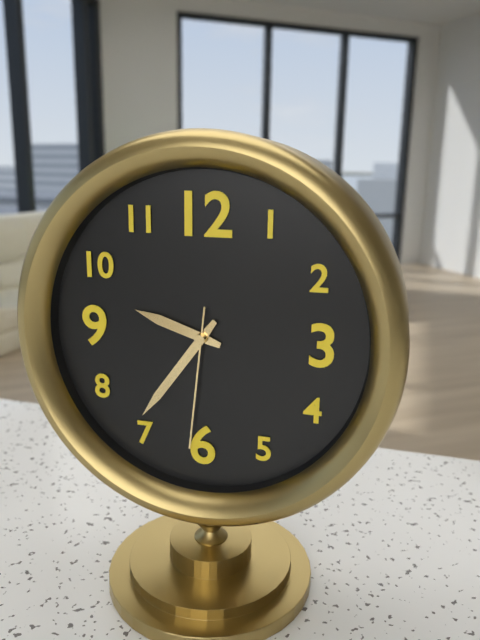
**9:36:31**
